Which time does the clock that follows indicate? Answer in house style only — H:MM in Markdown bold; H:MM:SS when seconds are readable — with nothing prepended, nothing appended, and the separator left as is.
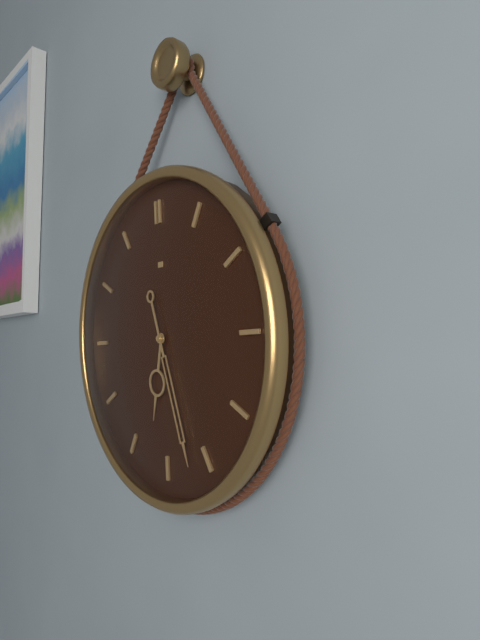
**6:27**
